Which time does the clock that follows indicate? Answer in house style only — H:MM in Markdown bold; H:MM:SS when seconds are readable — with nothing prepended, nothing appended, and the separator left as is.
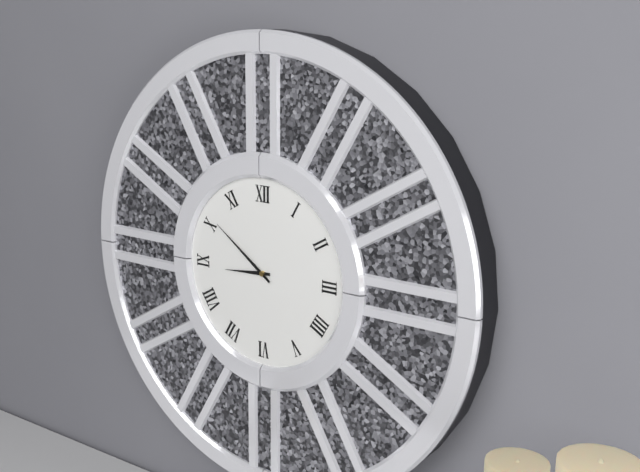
**8:51**
